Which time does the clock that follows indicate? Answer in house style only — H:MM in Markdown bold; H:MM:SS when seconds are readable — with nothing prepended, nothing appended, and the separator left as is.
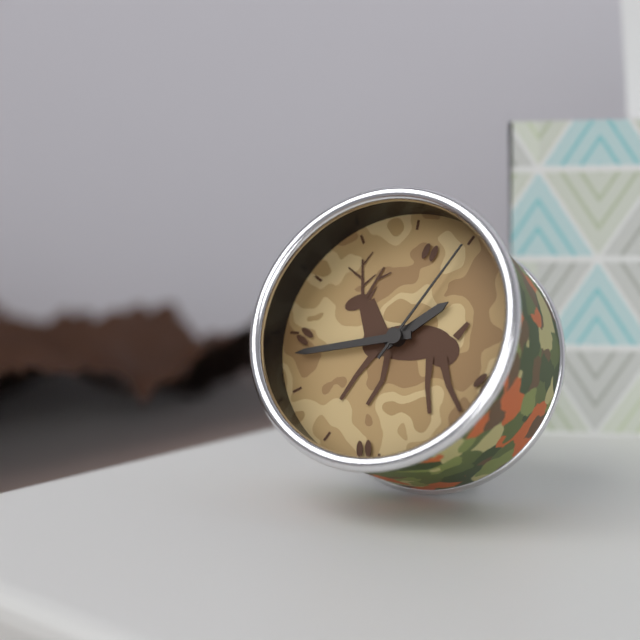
**1:43:05**
